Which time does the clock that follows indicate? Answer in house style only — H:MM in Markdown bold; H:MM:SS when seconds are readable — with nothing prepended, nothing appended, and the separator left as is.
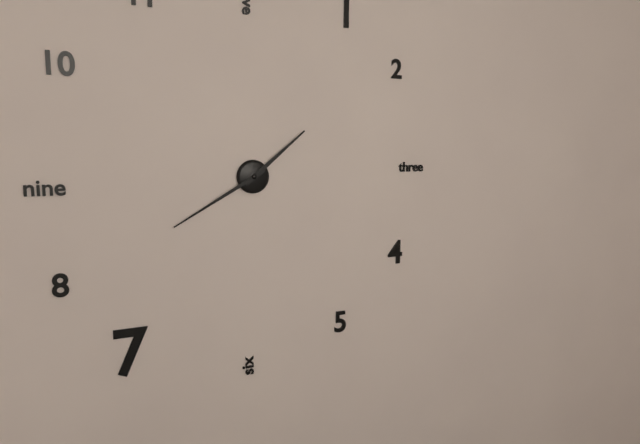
**1:40**
